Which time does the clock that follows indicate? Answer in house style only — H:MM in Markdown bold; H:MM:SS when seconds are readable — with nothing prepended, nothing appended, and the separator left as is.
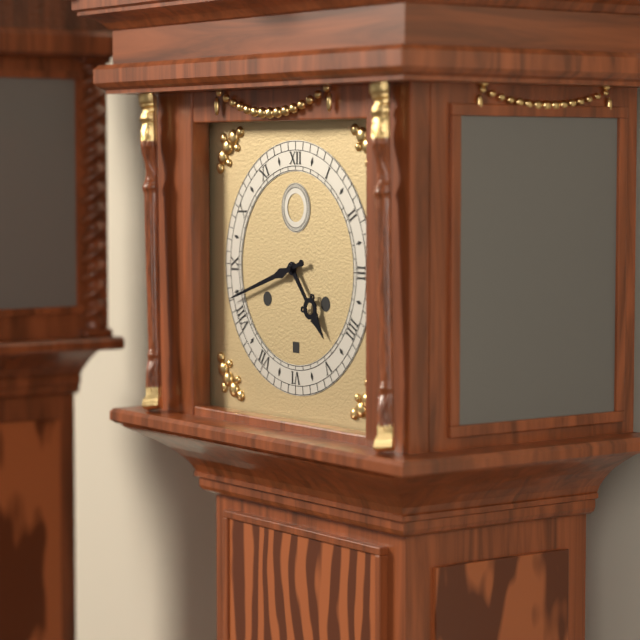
**4:42**
